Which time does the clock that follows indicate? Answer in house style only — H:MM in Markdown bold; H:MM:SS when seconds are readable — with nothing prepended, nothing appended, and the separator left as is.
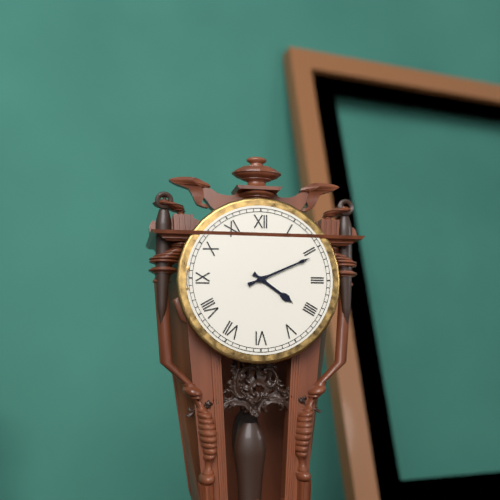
**4:11**
